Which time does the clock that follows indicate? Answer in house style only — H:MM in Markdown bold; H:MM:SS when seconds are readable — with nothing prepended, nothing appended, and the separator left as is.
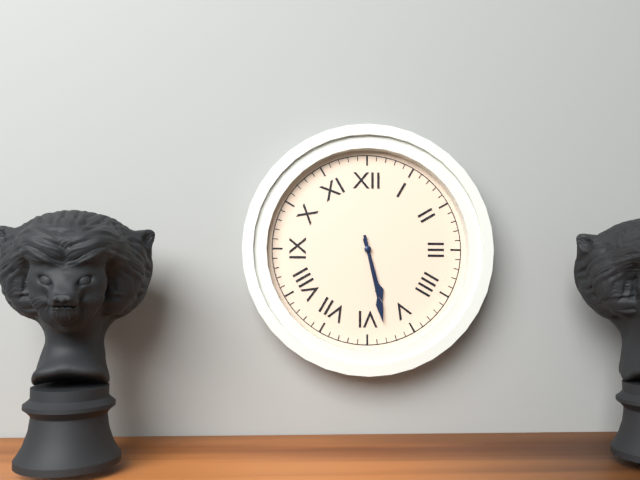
**5:28**
